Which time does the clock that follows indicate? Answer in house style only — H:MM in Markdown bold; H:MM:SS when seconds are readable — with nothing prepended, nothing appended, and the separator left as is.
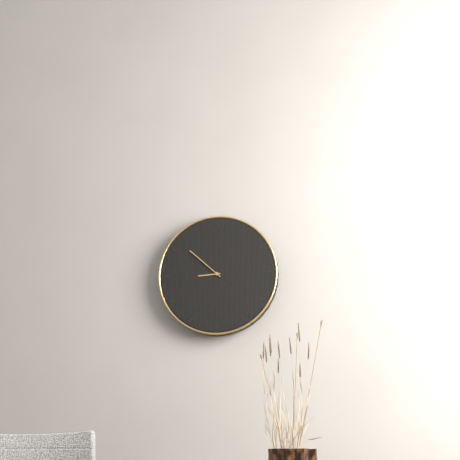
**8:52**
